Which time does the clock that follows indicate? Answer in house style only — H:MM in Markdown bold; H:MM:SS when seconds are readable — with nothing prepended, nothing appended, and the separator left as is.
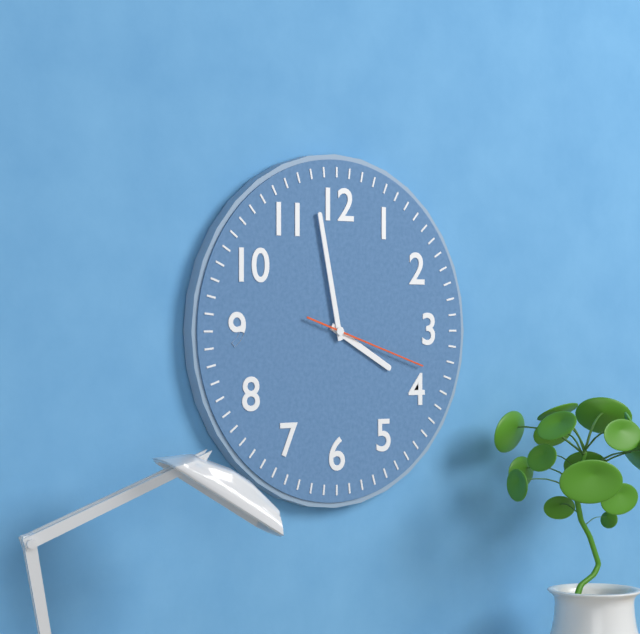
**3:58:18**
